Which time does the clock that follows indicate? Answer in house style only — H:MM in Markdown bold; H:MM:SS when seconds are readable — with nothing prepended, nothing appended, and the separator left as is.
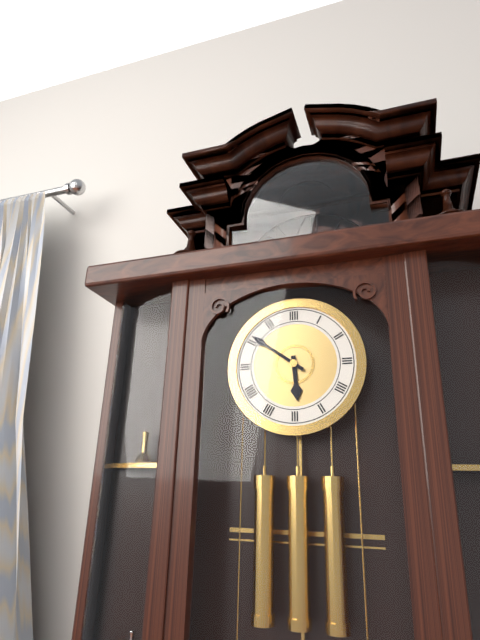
**5:51**
